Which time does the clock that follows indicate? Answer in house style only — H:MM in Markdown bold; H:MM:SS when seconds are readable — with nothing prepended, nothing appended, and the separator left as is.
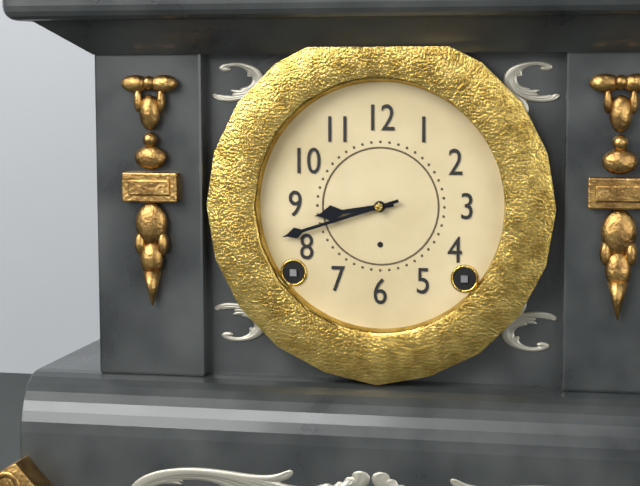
**8:42**
